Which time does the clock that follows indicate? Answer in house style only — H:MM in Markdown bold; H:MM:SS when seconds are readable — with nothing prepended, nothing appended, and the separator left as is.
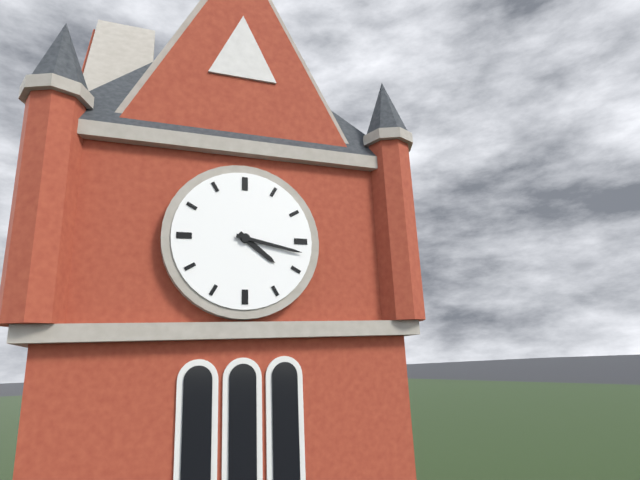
**4:17**
